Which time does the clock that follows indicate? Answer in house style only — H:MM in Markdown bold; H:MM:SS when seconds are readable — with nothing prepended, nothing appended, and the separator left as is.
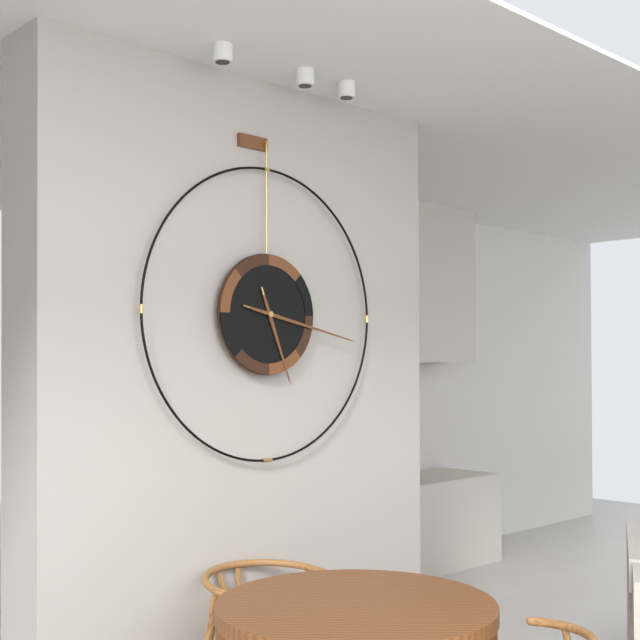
**5:17**
